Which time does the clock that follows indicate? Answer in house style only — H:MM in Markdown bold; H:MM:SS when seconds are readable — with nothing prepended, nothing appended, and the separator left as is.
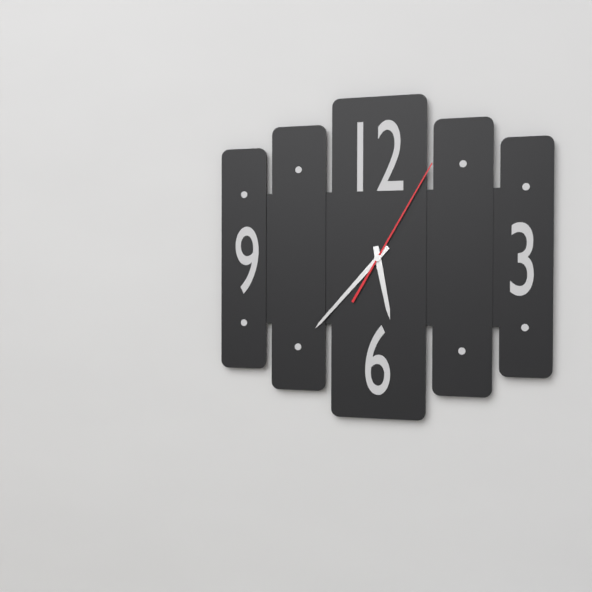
**5:37:05**
